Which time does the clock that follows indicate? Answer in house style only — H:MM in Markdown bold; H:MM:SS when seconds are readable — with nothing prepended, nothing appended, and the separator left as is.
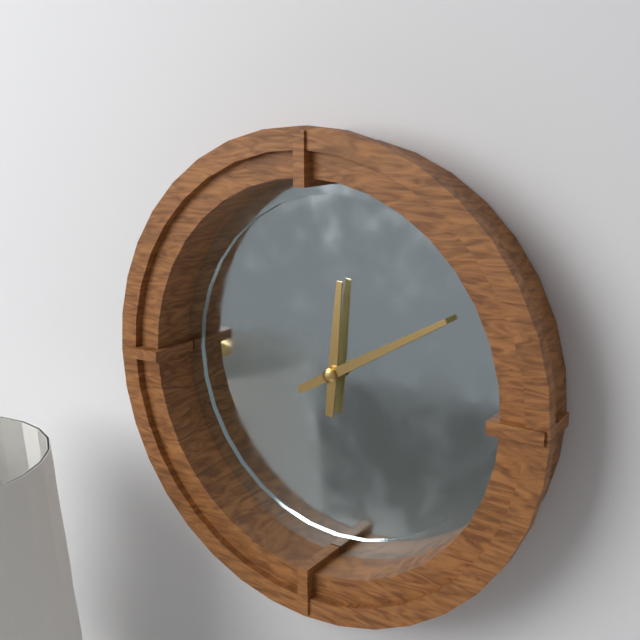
**12:10**
